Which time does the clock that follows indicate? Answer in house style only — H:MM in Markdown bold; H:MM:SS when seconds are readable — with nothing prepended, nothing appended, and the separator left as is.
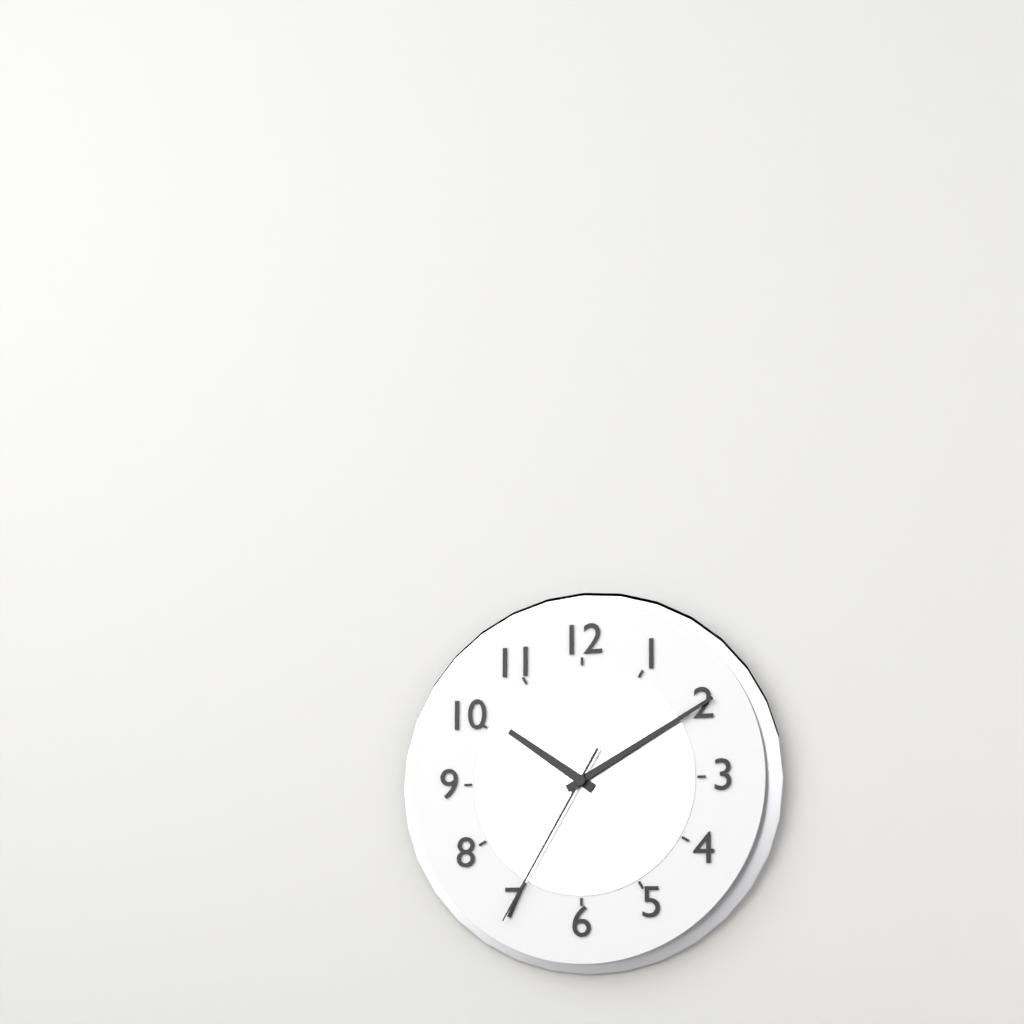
**10:10:35**
